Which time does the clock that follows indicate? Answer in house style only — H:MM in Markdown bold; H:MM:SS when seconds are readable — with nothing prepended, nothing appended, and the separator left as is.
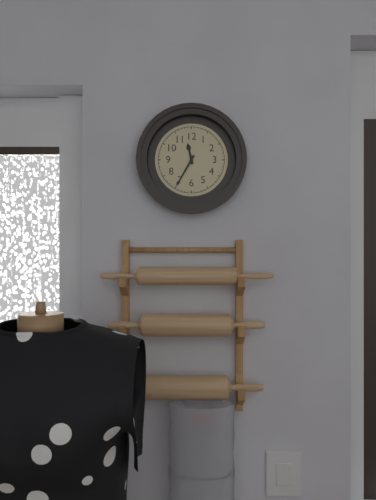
**11:35**
